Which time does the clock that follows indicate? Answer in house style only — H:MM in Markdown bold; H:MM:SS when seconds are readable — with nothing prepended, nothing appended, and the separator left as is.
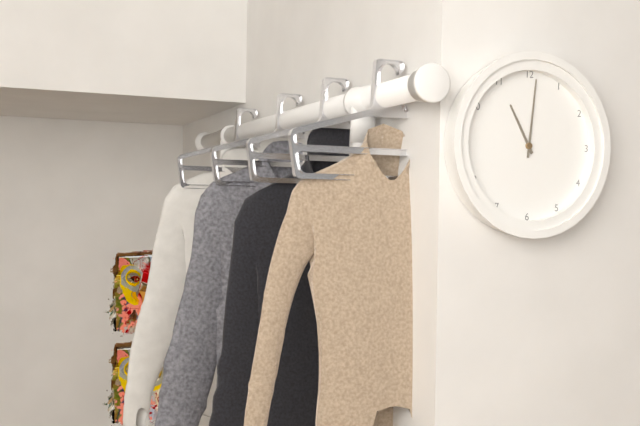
**11:01**
